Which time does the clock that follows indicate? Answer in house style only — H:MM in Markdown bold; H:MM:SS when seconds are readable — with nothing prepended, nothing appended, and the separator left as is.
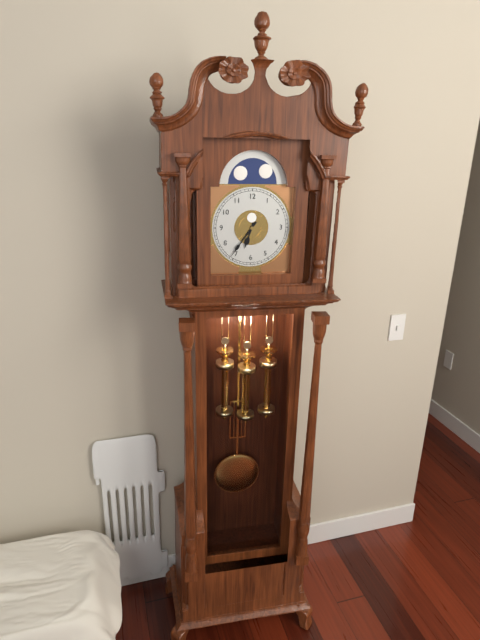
**6:36**
